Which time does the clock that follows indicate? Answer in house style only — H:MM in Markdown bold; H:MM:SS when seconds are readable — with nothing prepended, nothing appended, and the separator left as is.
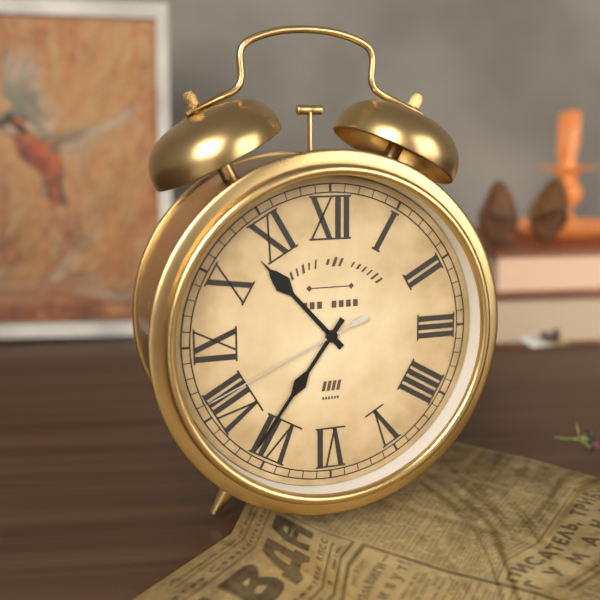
**10:36:41**
